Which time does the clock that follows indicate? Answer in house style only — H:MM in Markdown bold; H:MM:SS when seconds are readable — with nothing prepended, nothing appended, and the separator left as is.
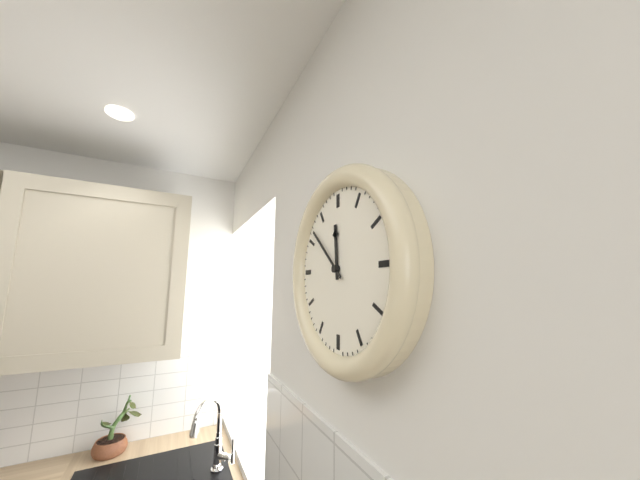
**11:52**
